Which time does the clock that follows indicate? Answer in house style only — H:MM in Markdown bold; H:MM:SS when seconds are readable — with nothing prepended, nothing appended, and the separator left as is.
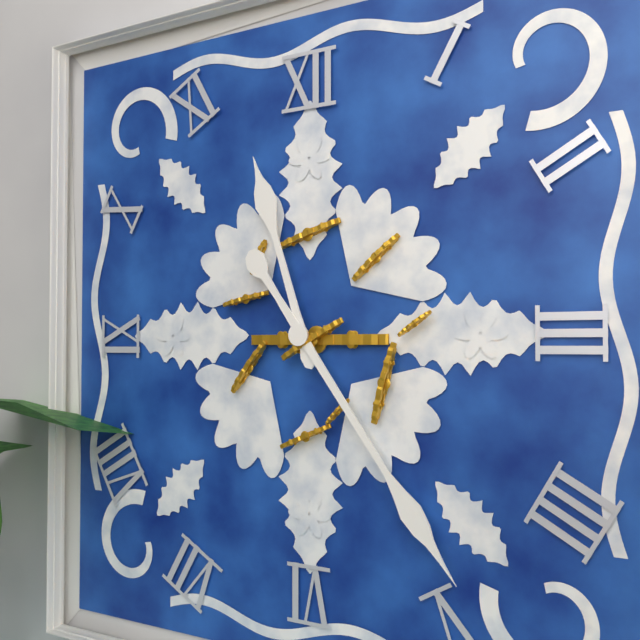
**11:24**
